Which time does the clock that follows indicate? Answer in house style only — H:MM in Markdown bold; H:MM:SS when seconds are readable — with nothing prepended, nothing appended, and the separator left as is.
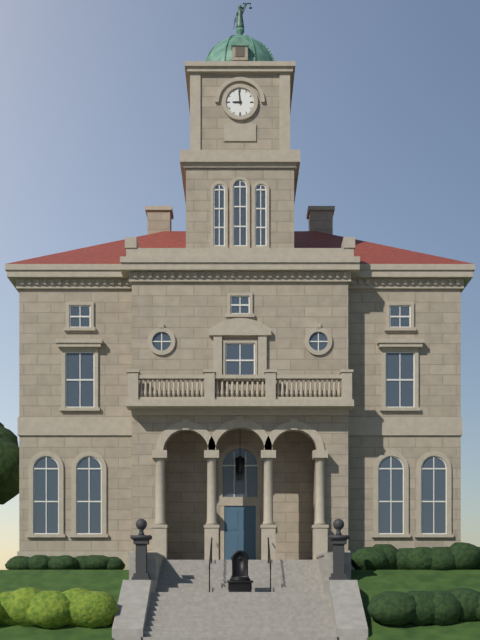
**8:59**
